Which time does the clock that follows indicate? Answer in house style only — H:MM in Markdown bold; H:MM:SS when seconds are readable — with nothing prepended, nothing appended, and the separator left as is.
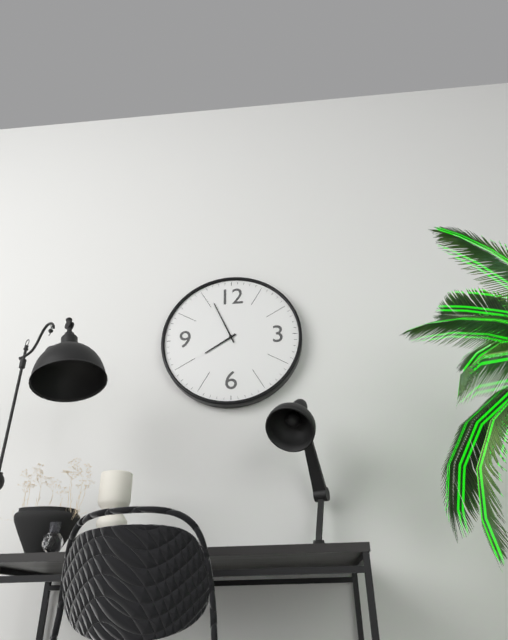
**7:56**
